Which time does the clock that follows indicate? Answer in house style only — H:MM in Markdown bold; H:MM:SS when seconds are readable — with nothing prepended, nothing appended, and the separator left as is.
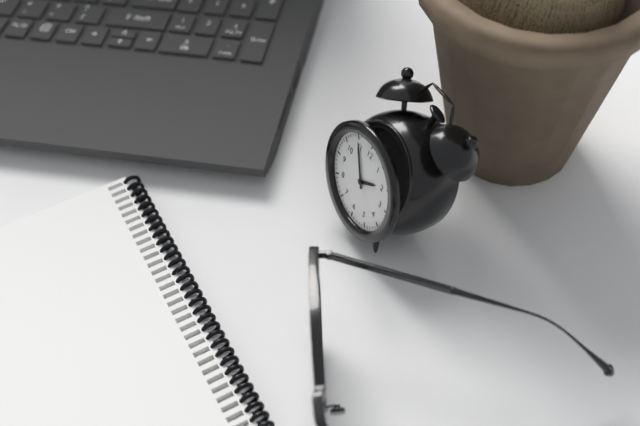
**1:55**
